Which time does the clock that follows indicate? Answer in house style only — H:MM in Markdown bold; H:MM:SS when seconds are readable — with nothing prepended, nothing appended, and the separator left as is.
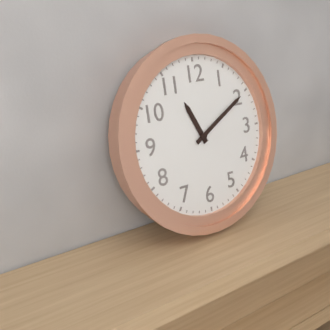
**11:10**
